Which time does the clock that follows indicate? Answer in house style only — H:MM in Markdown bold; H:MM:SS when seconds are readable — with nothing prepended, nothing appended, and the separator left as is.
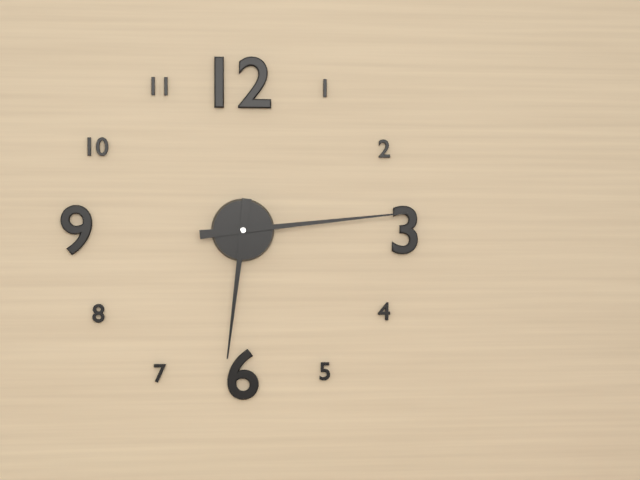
**6:14**
